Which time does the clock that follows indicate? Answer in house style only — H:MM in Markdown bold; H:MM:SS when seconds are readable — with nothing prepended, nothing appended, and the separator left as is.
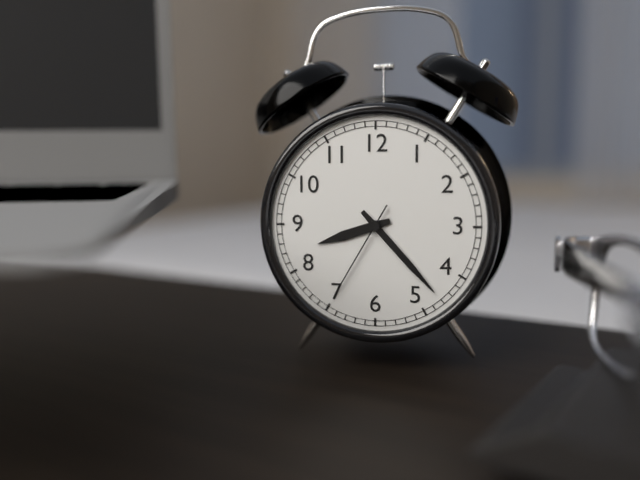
**8:23:35**
